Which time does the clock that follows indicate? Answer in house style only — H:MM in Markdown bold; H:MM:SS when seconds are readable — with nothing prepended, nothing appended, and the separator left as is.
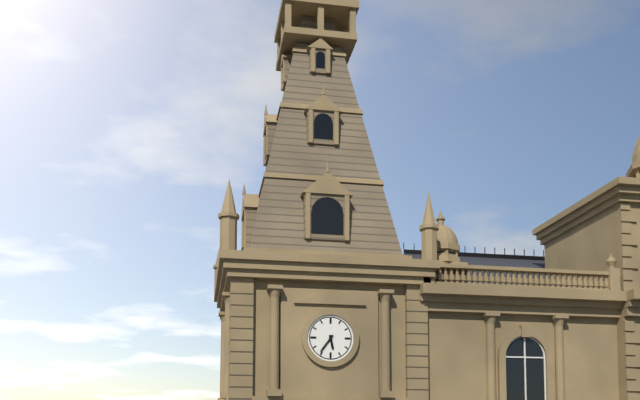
**5:36**
